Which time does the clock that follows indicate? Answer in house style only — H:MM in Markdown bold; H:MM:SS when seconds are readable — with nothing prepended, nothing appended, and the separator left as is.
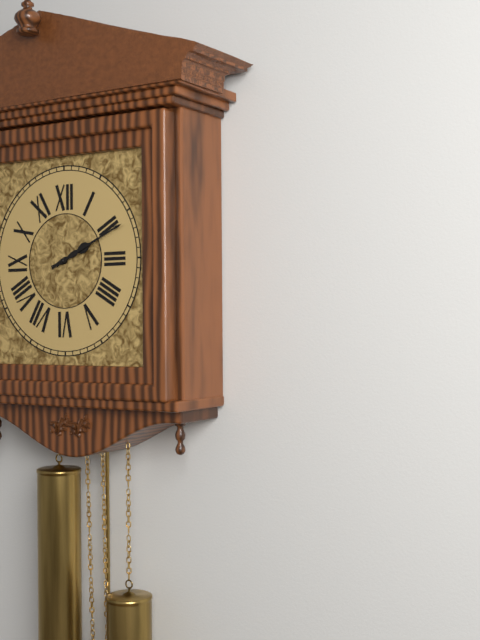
**2:11**
